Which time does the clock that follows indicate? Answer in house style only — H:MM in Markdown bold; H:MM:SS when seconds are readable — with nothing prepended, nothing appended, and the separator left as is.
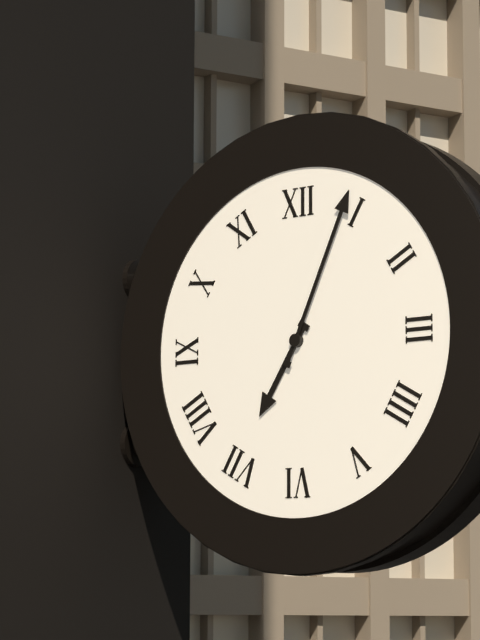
**7:04**
